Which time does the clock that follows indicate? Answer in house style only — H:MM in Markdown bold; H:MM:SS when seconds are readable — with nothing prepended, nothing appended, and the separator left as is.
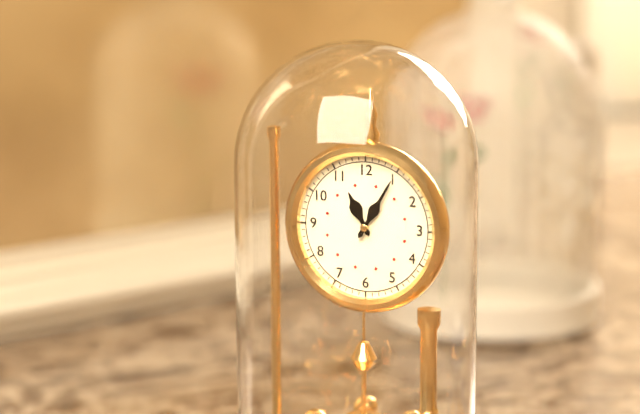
**11:05**
